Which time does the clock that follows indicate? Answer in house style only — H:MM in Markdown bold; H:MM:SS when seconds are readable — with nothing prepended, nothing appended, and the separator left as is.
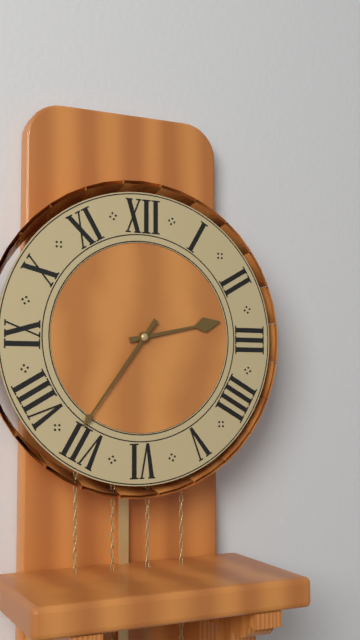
**2:36**
